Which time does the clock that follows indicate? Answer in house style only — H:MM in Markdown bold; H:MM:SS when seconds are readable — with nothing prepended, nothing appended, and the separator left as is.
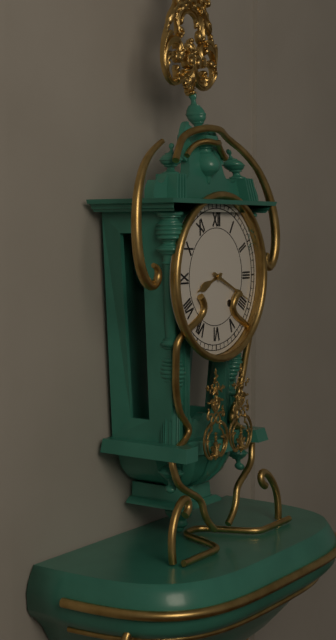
**8:19**
